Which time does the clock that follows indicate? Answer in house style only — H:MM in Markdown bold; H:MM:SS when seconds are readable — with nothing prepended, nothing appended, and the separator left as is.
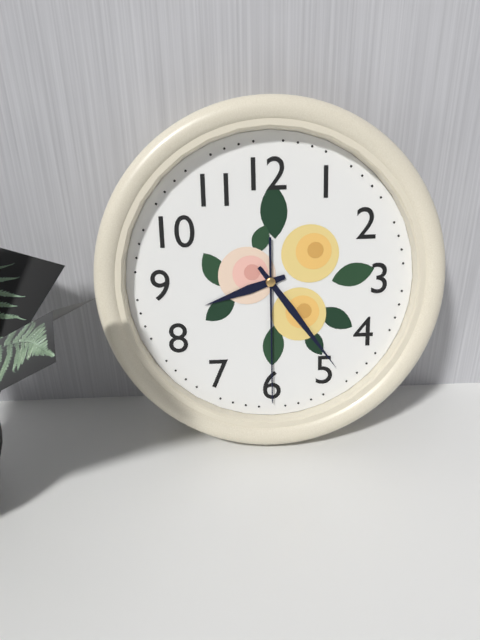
**8:24:30**
